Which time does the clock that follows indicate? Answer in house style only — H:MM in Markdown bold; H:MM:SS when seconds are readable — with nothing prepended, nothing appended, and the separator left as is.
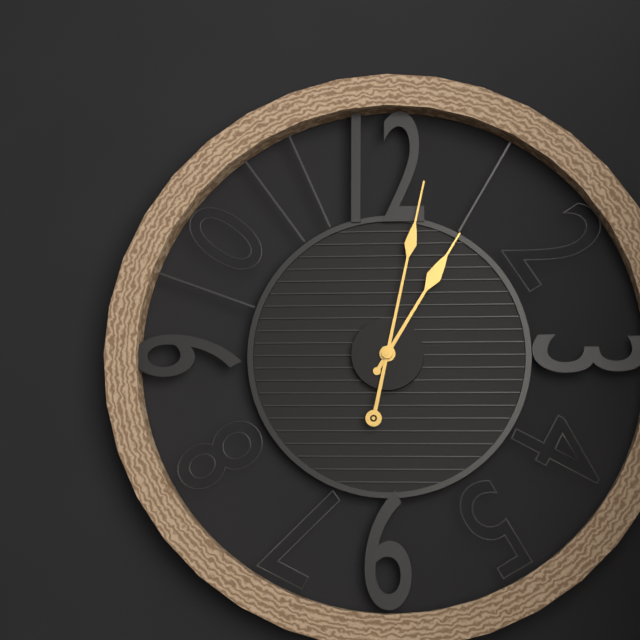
**1:02**
